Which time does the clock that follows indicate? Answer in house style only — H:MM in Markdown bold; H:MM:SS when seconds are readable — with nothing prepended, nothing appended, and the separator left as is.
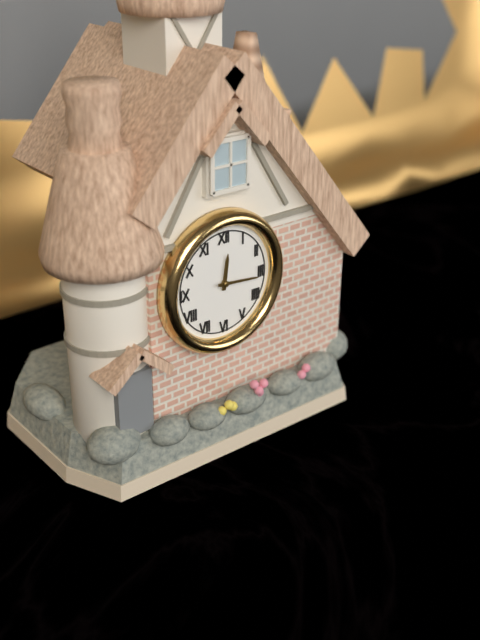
**12:16**
